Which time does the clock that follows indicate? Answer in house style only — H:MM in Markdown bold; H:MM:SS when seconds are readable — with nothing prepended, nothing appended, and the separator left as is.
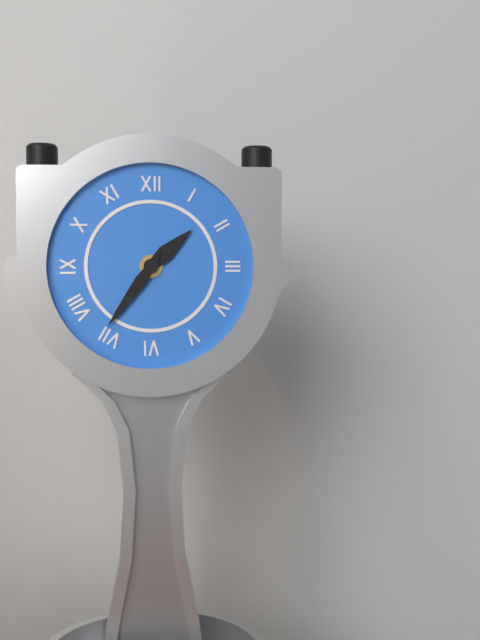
**1:36**
